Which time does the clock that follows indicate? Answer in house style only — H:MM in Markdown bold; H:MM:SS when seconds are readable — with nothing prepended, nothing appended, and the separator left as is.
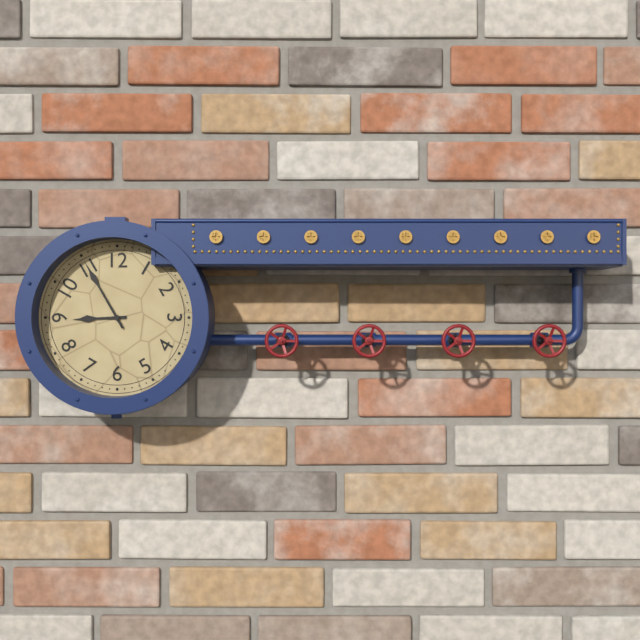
**8:55**
